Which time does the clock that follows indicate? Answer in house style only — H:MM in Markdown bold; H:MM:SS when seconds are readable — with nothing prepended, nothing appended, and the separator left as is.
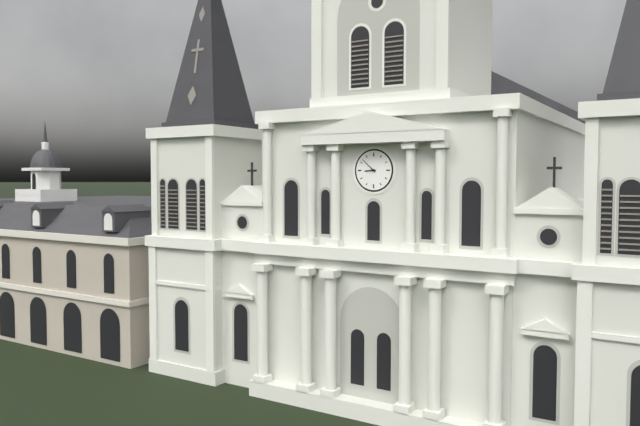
**8:52**
